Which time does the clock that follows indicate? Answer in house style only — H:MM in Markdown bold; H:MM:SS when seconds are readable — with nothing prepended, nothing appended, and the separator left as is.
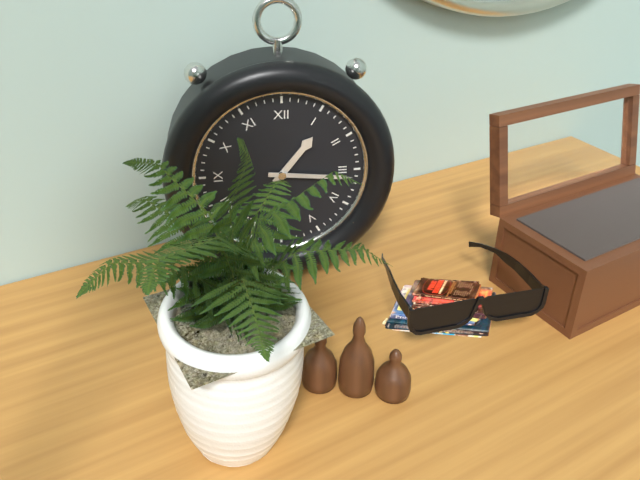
**1:16**
